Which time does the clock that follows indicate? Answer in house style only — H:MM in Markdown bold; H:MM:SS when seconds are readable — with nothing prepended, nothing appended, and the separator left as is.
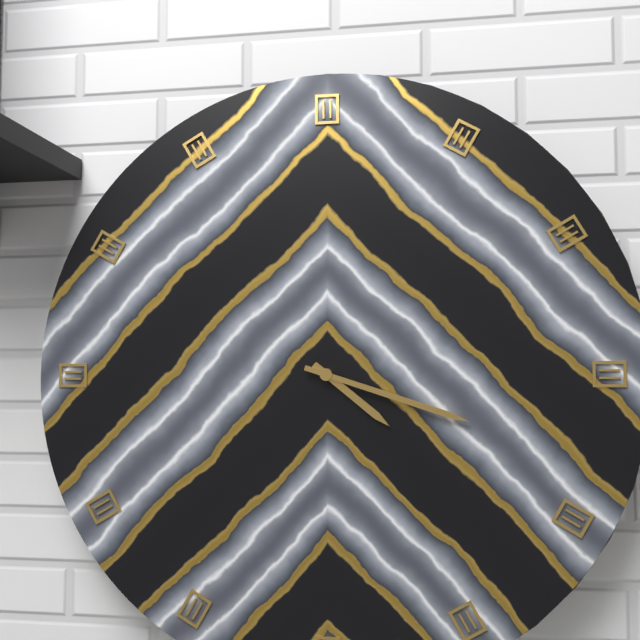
**4:18**
